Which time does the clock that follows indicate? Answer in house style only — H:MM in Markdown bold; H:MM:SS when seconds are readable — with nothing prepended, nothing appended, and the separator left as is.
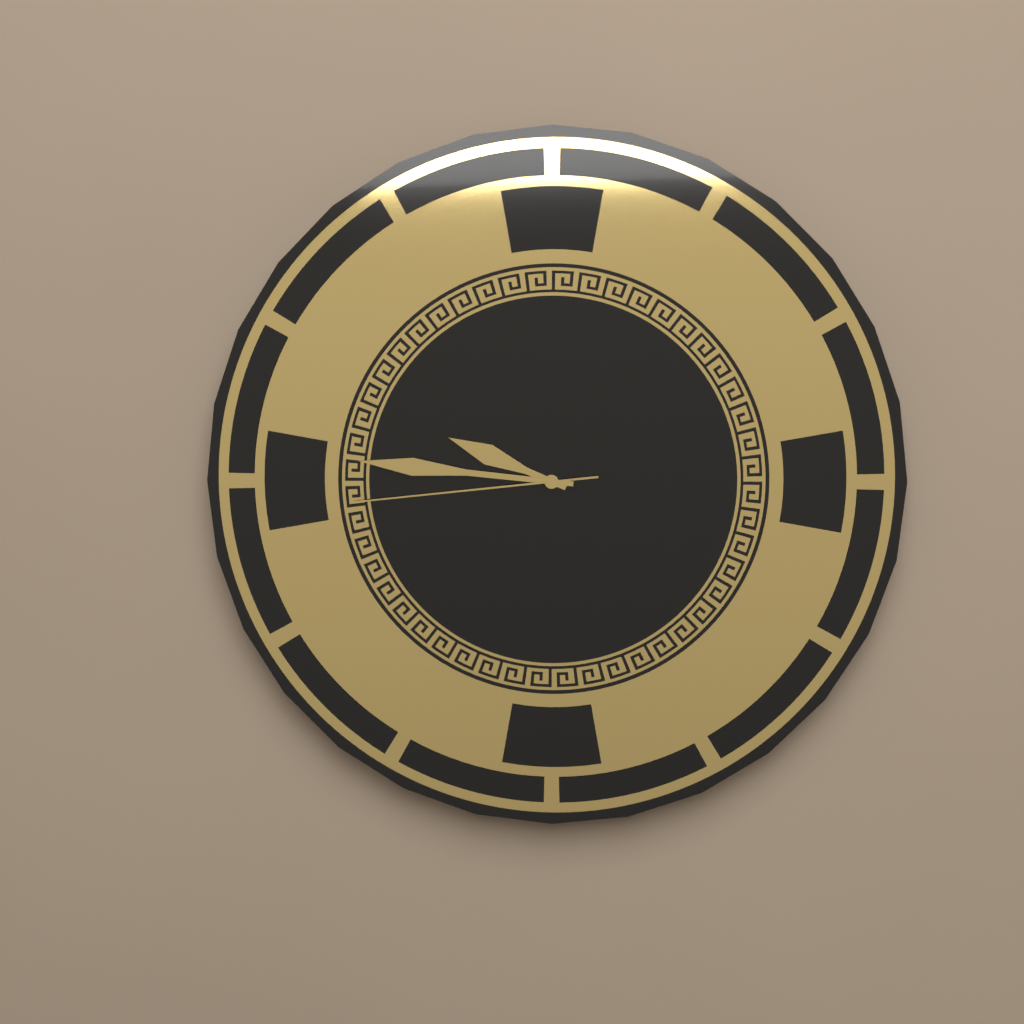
**9:46:44**
